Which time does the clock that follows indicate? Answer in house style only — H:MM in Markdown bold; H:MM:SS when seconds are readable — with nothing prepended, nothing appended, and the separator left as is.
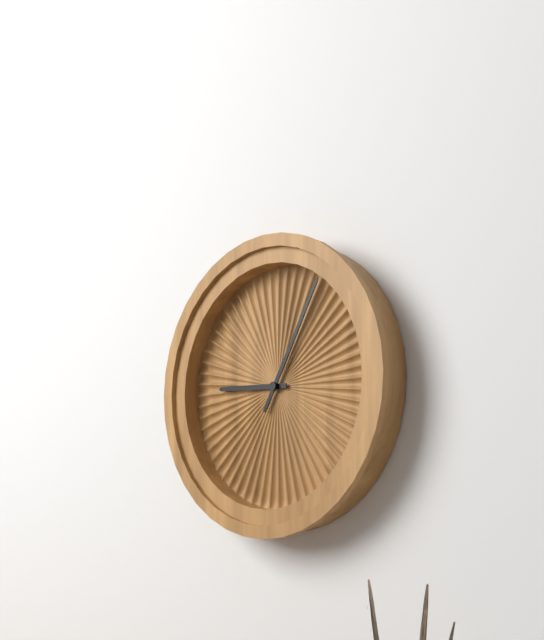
**9:05**
